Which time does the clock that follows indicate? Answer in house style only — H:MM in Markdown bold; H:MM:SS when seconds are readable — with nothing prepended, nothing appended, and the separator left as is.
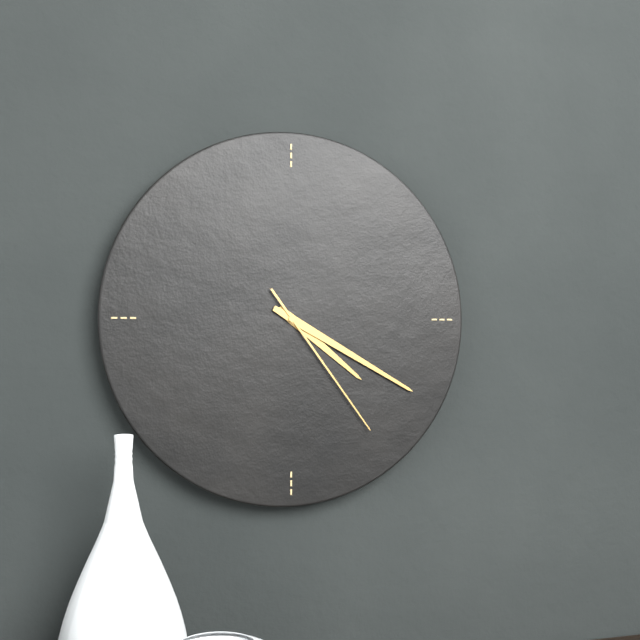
**4:20:24**
